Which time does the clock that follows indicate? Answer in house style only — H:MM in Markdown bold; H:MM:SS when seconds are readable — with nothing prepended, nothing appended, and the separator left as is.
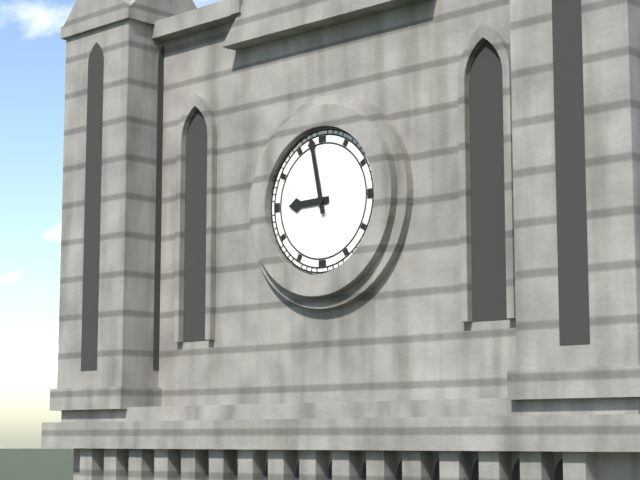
**8:58**
